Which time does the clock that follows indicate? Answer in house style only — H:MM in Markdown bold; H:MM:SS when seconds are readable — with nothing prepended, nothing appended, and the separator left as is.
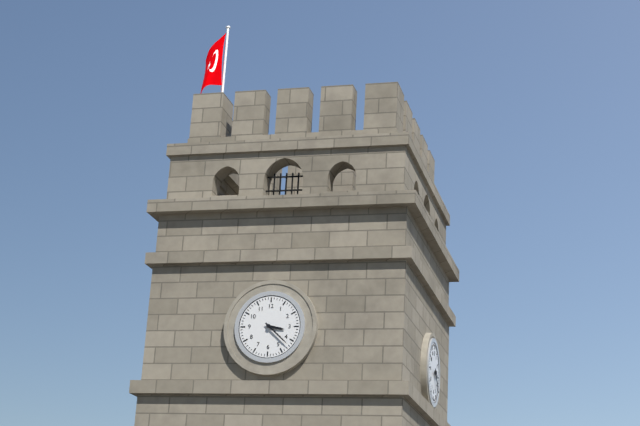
**3:22**
